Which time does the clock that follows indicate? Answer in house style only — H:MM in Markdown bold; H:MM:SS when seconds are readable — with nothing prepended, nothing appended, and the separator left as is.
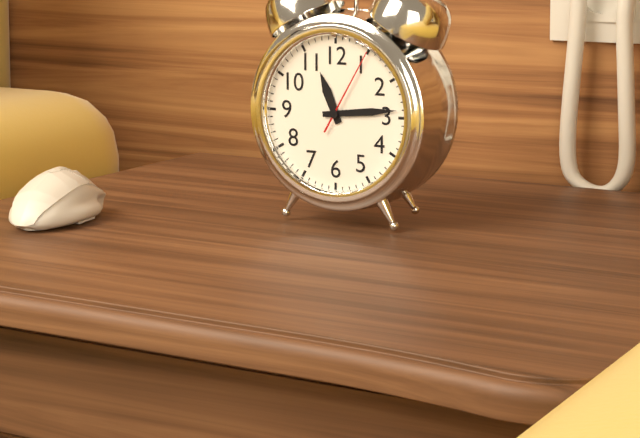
**11:14:05**
